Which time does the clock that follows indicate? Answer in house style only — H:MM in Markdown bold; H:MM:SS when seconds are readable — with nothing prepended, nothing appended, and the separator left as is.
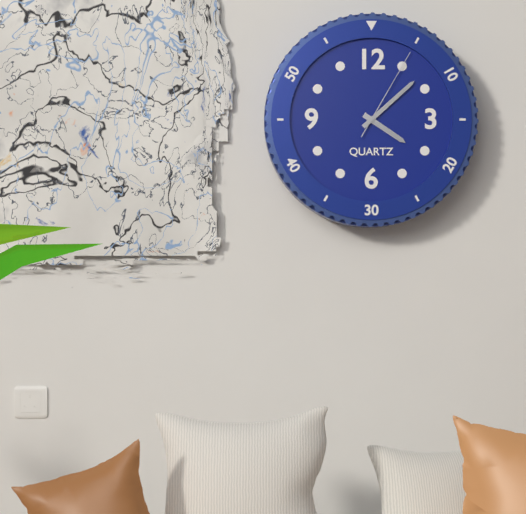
**4:08:05**
